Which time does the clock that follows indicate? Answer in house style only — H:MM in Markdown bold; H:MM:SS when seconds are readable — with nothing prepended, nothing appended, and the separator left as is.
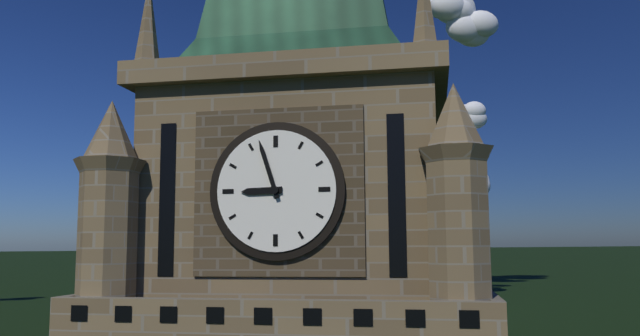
**8:57**
